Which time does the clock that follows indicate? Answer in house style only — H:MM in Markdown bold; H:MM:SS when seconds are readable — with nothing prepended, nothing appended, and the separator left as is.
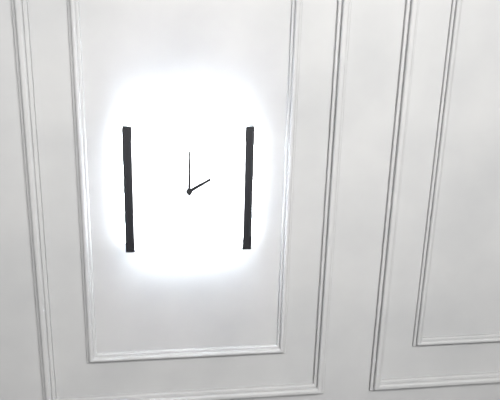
**2:00**
